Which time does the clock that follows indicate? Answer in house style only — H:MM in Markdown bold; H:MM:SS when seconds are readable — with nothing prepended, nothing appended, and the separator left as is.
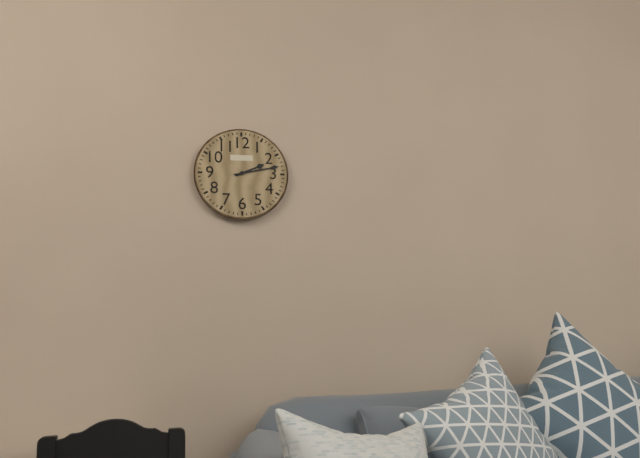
**2:13**
